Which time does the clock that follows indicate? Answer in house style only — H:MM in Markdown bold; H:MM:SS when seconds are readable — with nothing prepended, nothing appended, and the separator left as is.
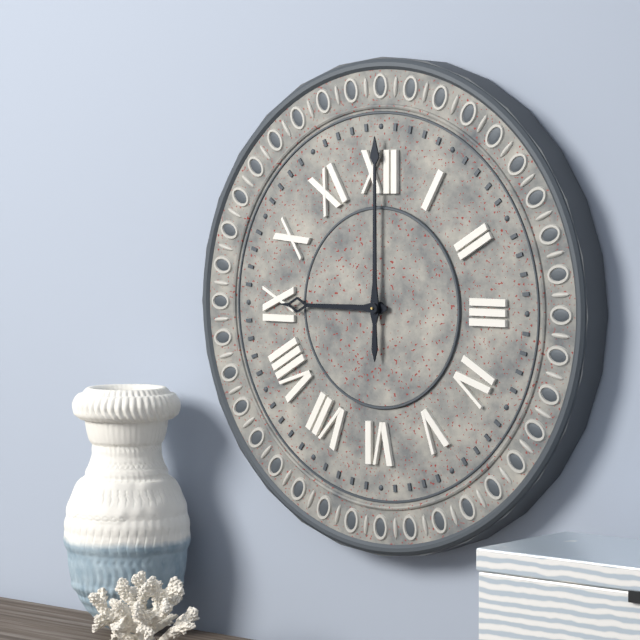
**9:00**
